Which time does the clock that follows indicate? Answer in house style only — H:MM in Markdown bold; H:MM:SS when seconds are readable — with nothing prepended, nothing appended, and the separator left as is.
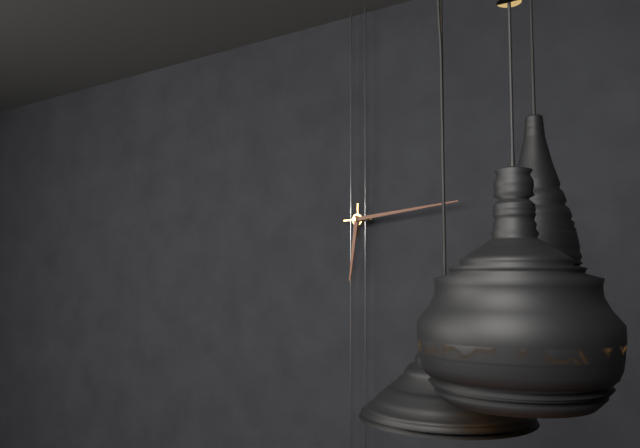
**6:14**
